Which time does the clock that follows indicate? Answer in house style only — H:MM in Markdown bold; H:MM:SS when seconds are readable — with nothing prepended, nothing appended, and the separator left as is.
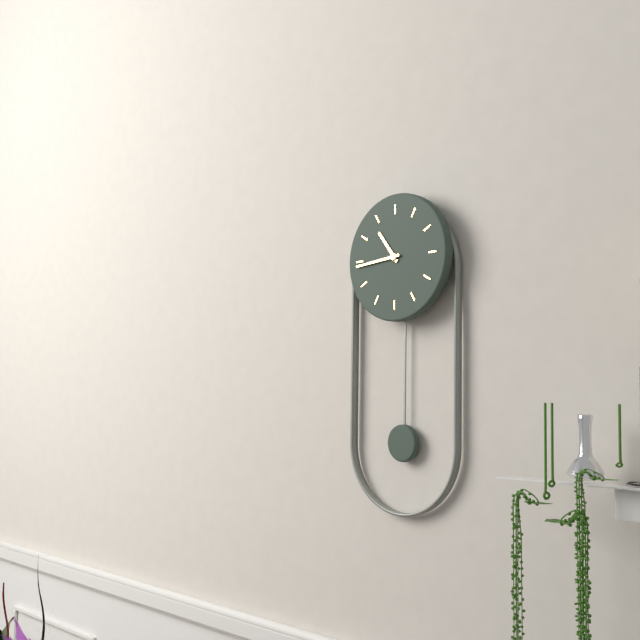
**10:44**
